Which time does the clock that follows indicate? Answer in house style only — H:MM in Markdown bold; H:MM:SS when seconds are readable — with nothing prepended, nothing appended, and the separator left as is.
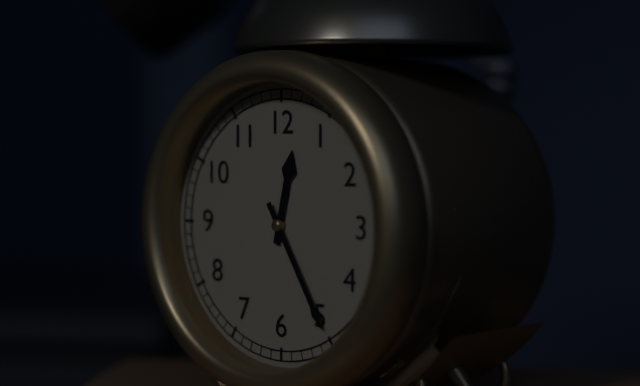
**12:25**
